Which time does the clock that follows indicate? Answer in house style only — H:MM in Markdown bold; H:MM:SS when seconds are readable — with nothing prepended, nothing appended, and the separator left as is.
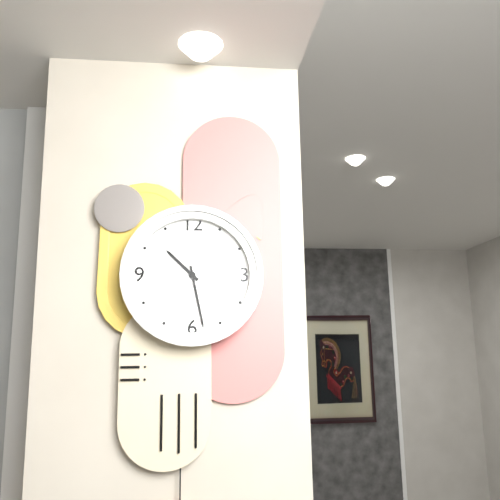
**10:28**
